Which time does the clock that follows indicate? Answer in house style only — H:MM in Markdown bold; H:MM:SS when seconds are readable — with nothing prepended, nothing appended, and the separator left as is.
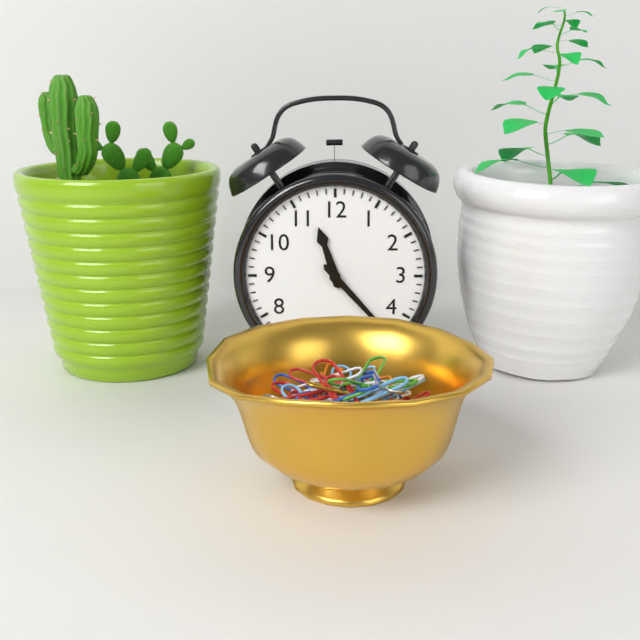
**11:23**
